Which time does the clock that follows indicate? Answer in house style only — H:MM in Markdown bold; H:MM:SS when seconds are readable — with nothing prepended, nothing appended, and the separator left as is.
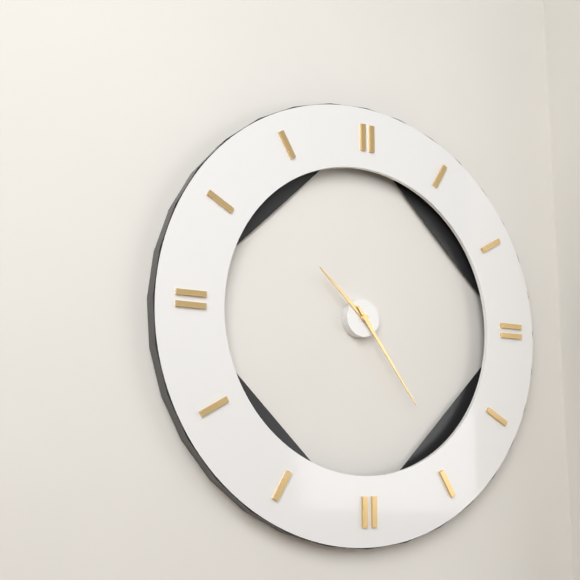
**10:24**
